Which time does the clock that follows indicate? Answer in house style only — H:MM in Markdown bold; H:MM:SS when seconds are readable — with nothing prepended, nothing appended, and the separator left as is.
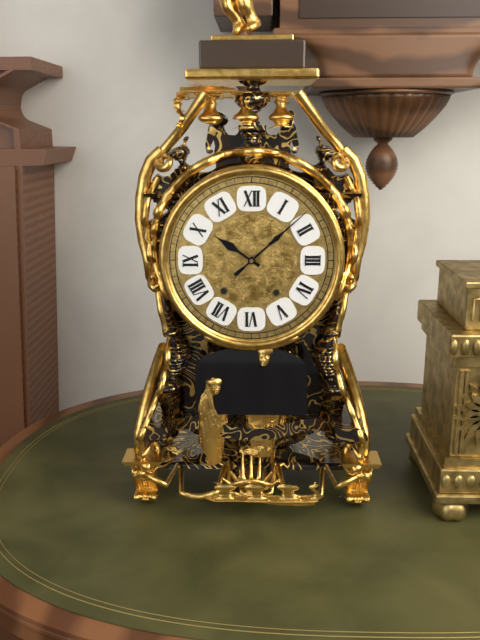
**10:08**
